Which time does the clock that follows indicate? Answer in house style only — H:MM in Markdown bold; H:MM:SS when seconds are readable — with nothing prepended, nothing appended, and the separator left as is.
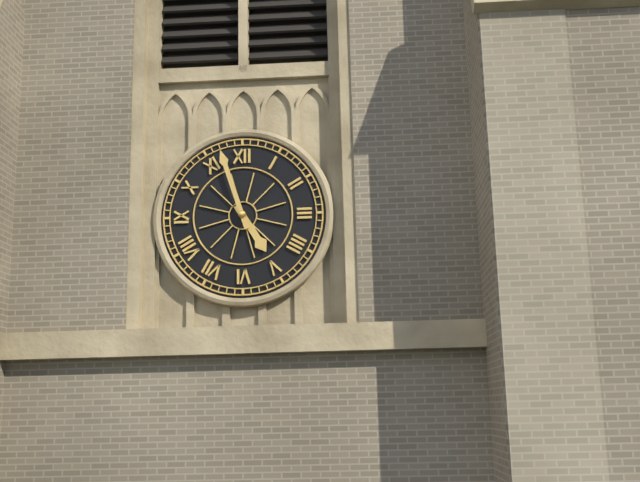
**4:57**
